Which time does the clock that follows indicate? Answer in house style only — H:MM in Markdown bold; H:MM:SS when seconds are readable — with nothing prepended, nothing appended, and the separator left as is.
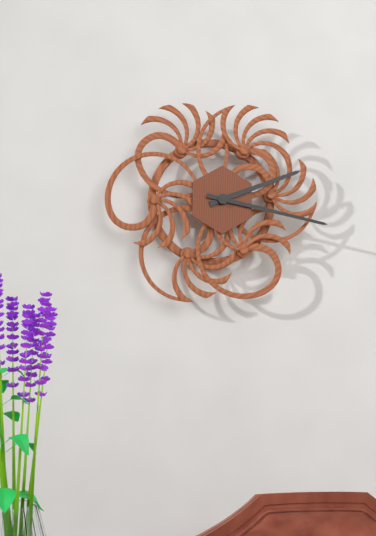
**2:17**
